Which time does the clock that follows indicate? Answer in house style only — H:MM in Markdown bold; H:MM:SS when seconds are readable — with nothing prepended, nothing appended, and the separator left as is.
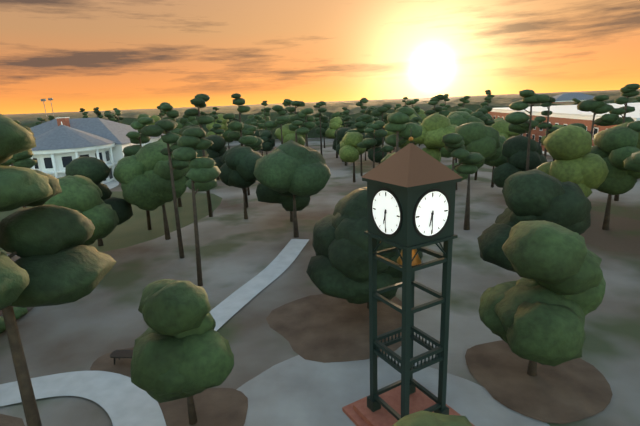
**6:30**
